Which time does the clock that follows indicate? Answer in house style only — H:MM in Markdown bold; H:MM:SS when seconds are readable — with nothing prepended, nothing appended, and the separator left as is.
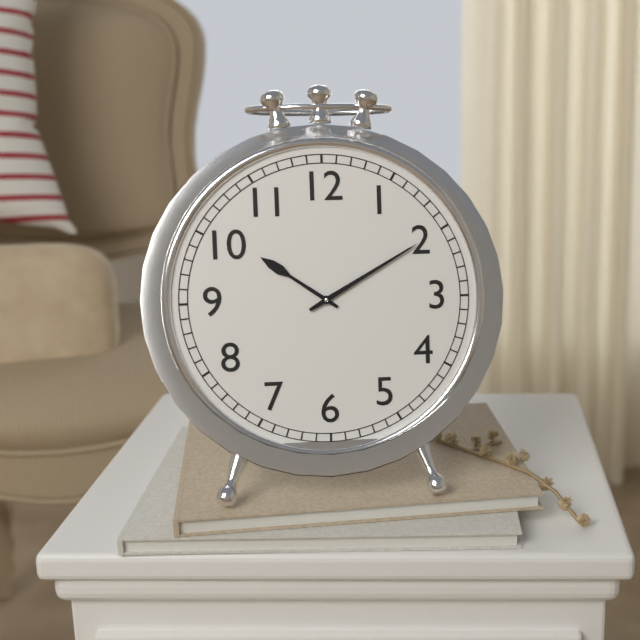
**10:10**
